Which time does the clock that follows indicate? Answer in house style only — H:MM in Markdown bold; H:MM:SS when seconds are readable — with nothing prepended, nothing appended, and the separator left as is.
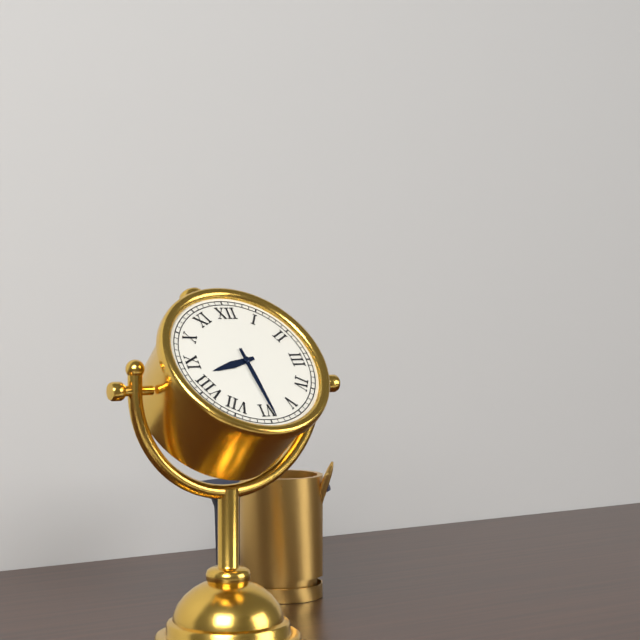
**8:29**
